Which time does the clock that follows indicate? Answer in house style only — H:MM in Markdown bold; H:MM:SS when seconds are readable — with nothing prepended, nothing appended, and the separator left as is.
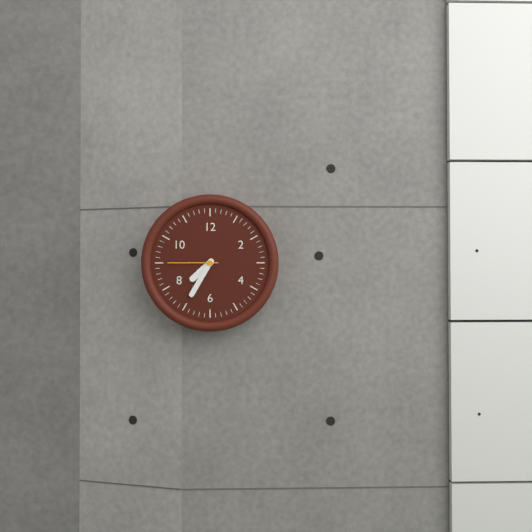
**7:35:45**
